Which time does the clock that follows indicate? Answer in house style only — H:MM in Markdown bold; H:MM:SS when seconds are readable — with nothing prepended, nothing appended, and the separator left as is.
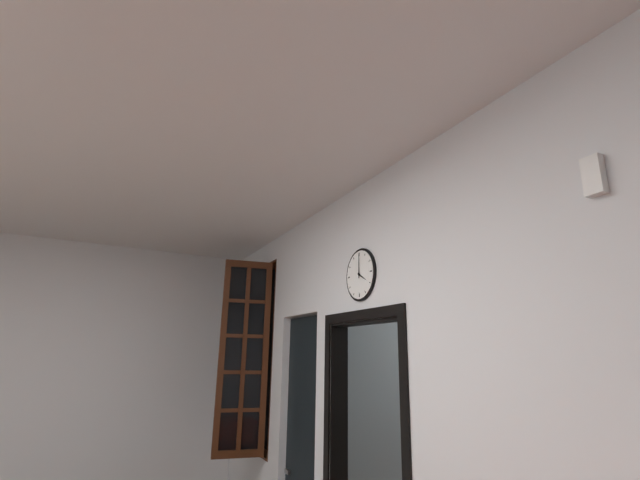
**4:00**
